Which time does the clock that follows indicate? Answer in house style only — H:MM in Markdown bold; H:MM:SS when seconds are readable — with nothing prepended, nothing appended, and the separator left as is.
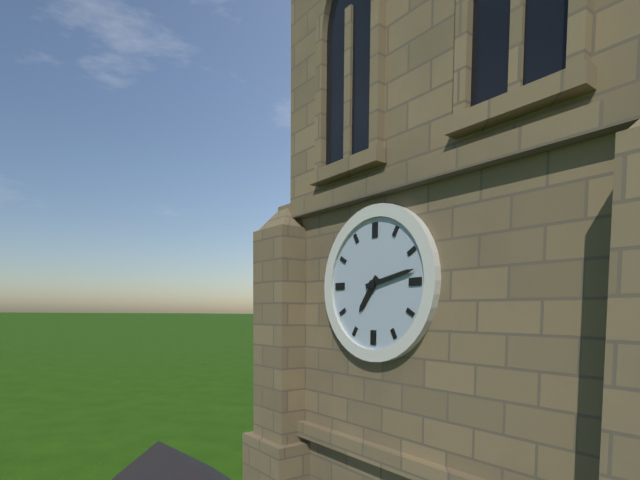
**7:13**
